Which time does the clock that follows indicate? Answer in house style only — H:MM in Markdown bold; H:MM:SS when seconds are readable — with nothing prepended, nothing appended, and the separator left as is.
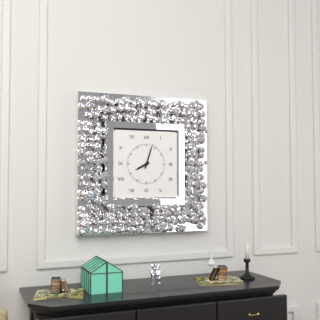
**8:03**
